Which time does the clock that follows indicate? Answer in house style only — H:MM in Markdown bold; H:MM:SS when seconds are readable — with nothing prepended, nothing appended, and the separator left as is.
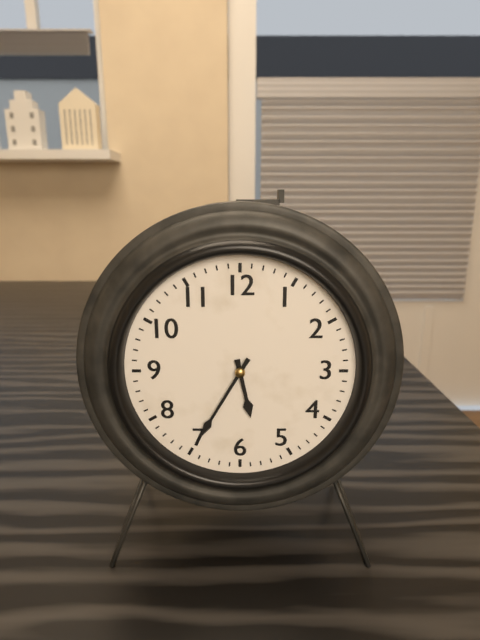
**5:35**
